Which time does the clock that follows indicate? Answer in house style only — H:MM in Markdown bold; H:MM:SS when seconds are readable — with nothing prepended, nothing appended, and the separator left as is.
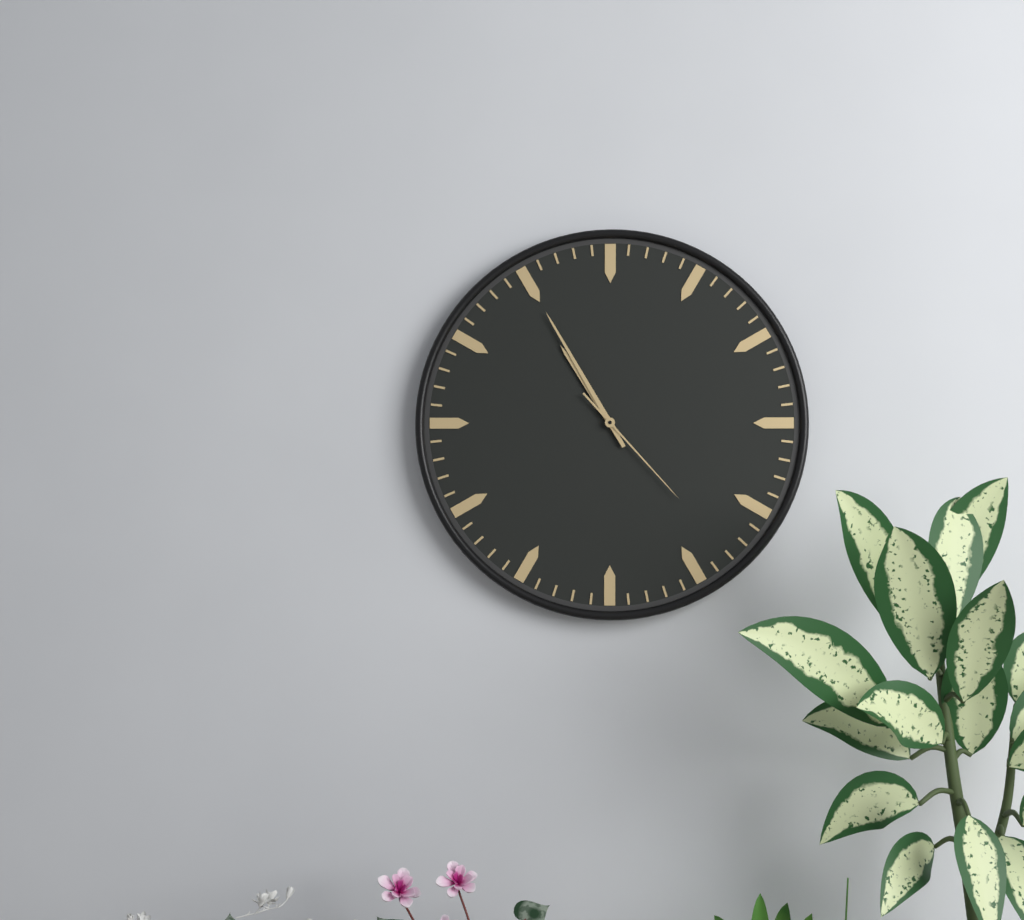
**10:55:23**
